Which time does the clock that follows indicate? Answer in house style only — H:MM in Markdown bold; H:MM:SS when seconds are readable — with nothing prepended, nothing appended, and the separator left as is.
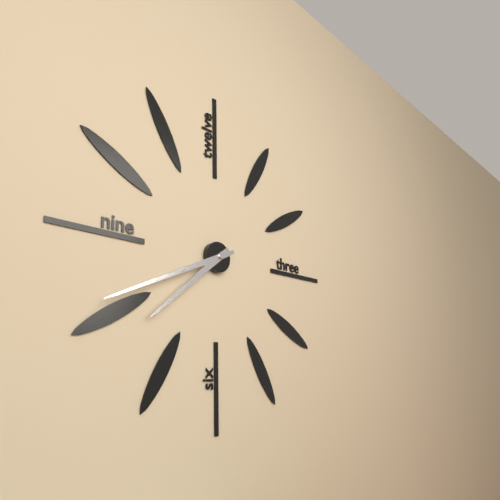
**7:41**
